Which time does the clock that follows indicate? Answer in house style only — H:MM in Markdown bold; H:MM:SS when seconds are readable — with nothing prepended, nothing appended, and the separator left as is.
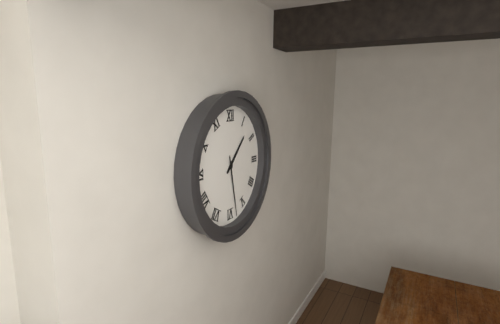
**1:28**
